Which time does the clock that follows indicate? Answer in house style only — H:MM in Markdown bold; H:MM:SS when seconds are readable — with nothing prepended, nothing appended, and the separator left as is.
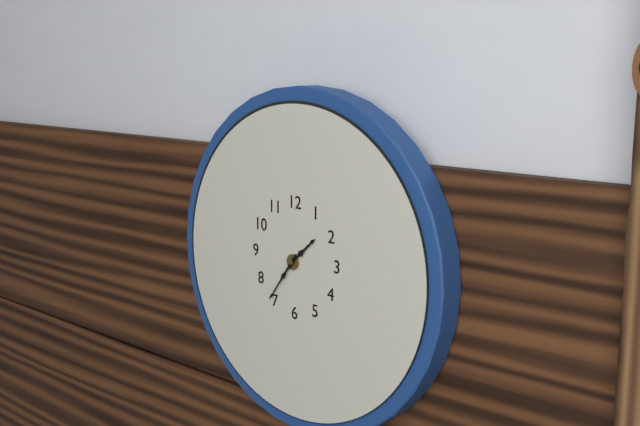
**1:36**
